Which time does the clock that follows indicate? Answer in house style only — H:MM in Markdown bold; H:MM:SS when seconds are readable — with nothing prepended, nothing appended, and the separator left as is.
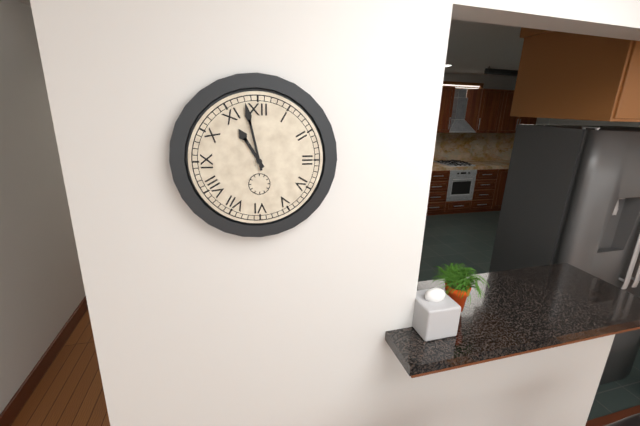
**10:58**
